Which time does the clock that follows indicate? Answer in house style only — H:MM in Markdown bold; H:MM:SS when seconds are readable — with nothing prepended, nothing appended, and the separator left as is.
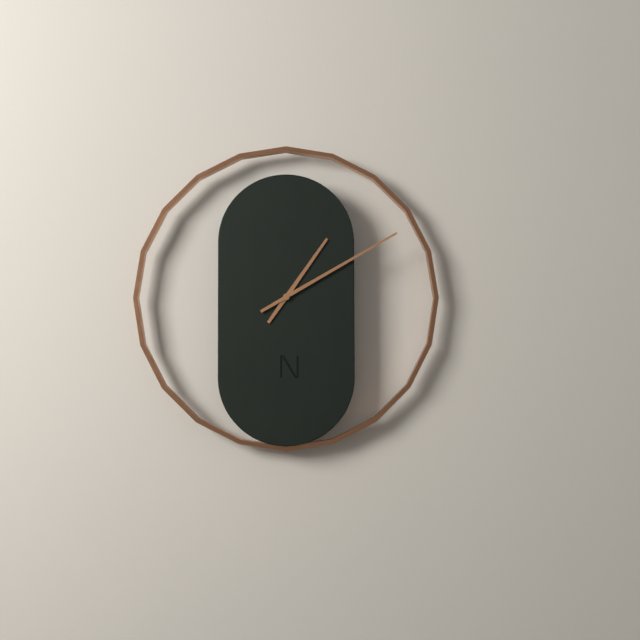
**1:10**
